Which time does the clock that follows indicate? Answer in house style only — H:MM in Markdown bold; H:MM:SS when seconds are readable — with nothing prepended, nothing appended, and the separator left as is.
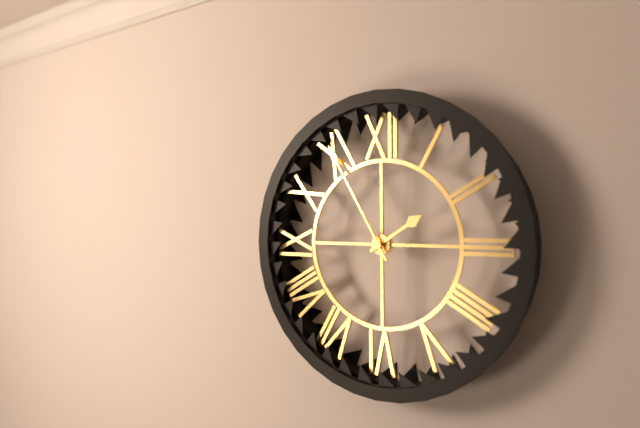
**1:55**
